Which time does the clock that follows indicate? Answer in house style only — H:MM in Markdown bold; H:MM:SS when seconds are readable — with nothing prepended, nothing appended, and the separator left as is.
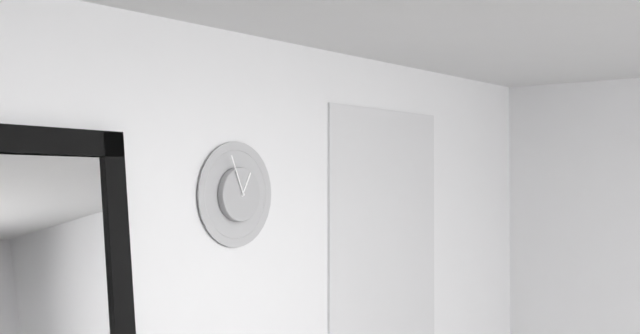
**12:56**
